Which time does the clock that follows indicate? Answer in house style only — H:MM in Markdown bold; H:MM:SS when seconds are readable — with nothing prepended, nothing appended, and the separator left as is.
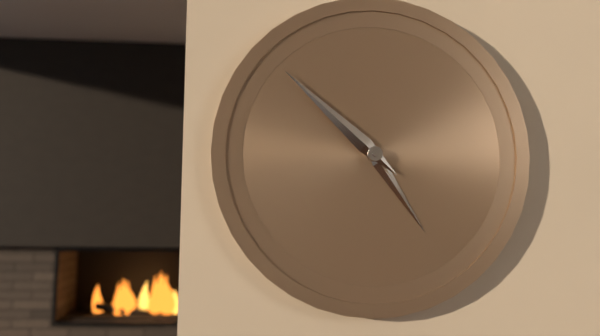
**4:52**
